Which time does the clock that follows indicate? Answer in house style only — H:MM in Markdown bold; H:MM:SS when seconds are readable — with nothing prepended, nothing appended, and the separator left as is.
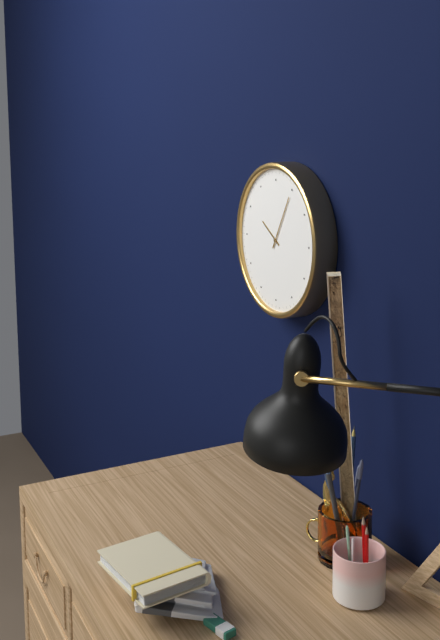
**10:05**
